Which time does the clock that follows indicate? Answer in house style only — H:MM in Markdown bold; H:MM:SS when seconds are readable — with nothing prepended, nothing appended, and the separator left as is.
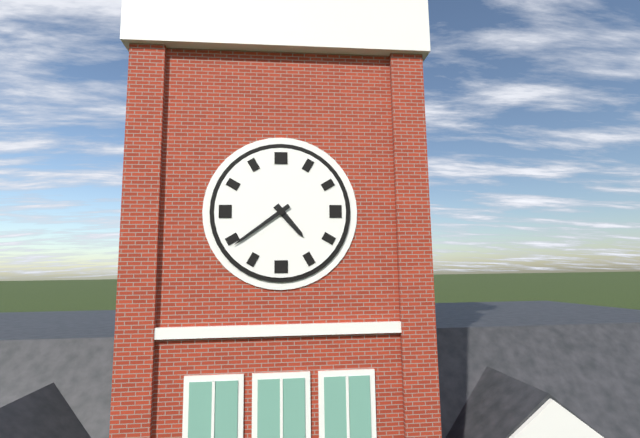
**4:39**
